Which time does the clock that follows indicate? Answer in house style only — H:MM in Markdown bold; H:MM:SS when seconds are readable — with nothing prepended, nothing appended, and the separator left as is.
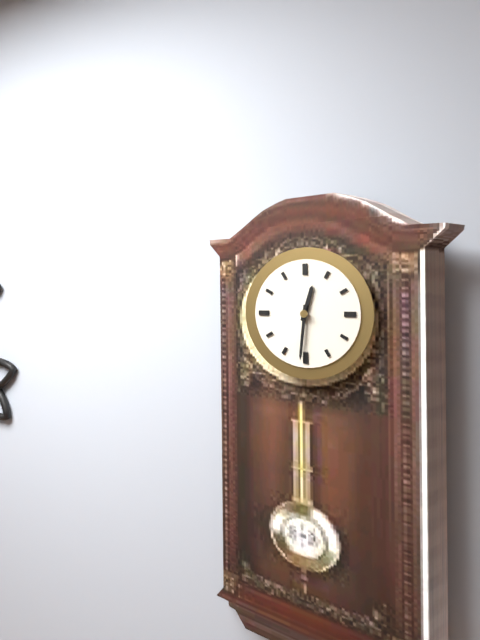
**12:31**
